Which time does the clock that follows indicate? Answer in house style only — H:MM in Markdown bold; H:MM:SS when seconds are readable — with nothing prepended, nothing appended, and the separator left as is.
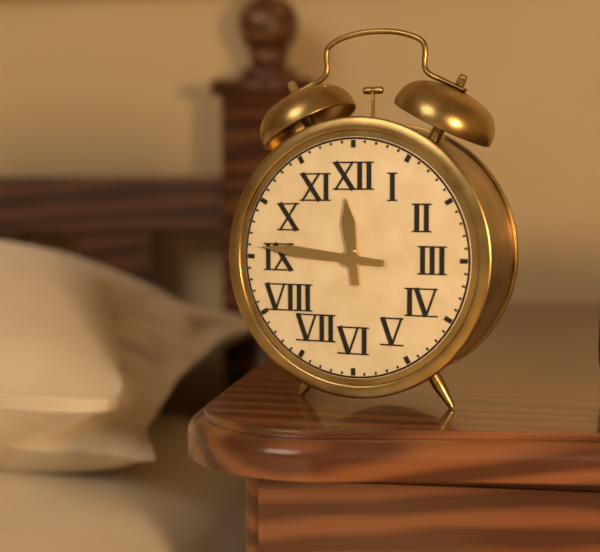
**11:46**
